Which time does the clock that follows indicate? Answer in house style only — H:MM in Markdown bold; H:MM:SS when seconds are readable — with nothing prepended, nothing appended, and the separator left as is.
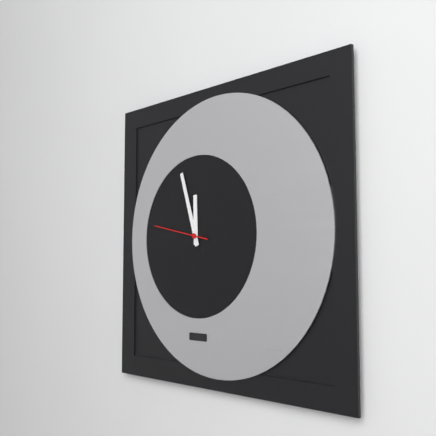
**11:57:47**
